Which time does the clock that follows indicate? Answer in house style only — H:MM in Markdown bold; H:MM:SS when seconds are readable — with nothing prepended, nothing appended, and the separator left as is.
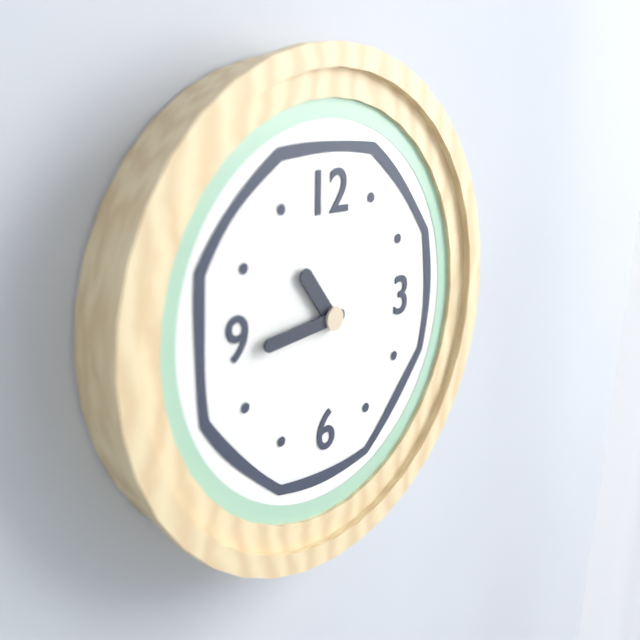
**10:44**
